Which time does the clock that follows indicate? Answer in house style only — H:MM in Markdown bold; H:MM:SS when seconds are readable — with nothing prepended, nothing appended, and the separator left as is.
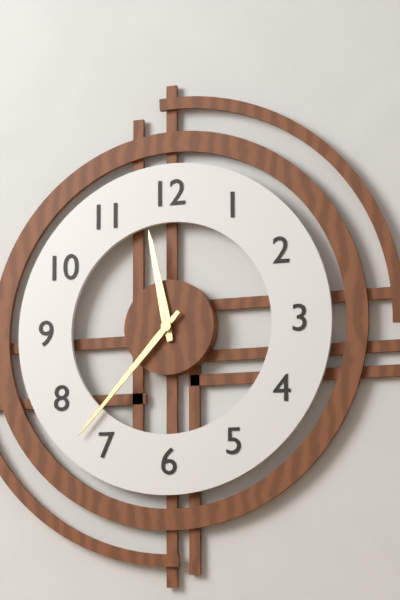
**11:37**
